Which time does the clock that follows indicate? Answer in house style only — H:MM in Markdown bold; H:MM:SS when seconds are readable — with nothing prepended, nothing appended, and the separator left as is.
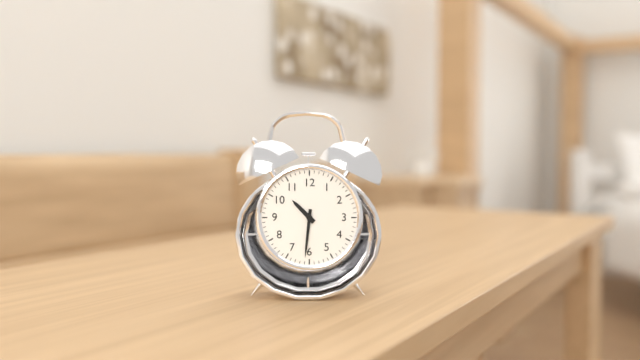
**10:31**
